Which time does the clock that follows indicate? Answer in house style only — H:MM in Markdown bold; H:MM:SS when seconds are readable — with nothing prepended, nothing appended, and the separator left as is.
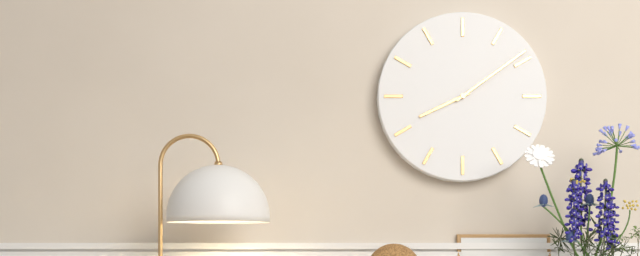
**8:09**
